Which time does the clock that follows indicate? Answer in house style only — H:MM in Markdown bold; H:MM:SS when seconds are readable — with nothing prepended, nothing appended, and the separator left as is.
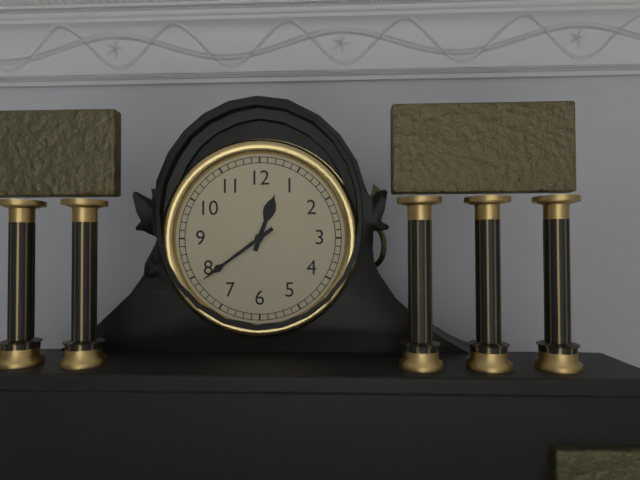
**12:39**
